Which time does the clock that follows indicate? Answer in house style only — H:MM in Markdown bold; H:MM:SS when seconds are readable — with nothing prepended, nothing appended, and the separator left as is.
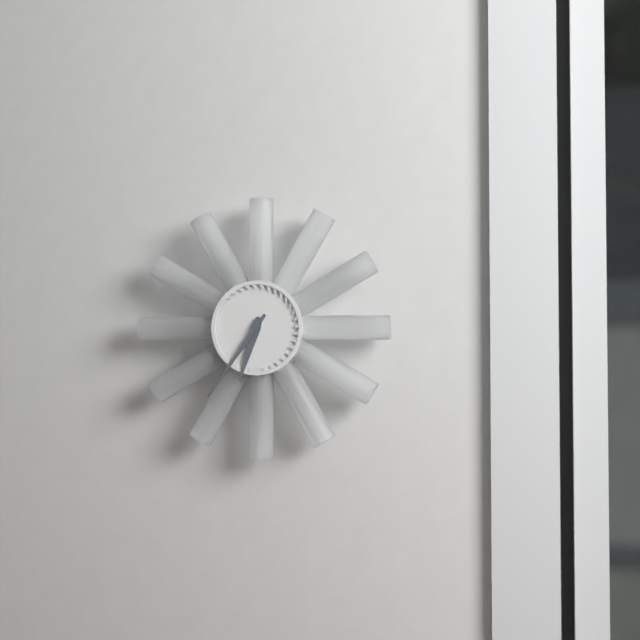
**6:36**
